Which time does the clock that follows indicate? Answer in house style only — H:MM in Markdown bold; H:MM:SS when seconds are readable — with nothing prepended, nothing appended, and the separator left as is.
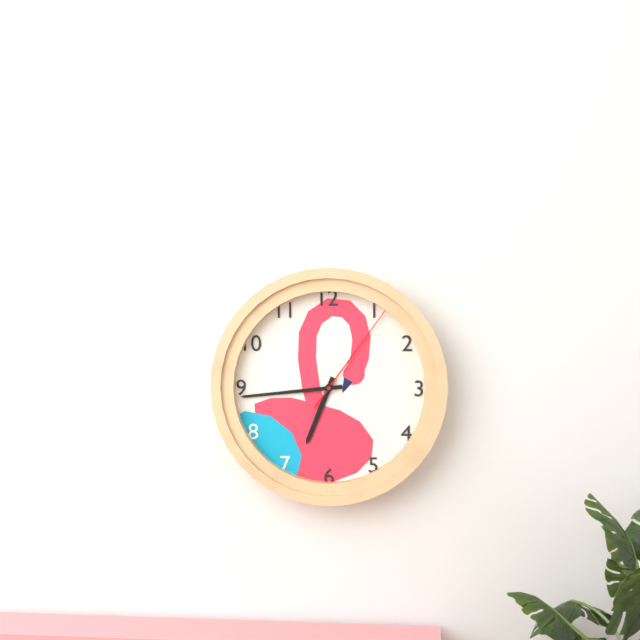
**6:44:06**
